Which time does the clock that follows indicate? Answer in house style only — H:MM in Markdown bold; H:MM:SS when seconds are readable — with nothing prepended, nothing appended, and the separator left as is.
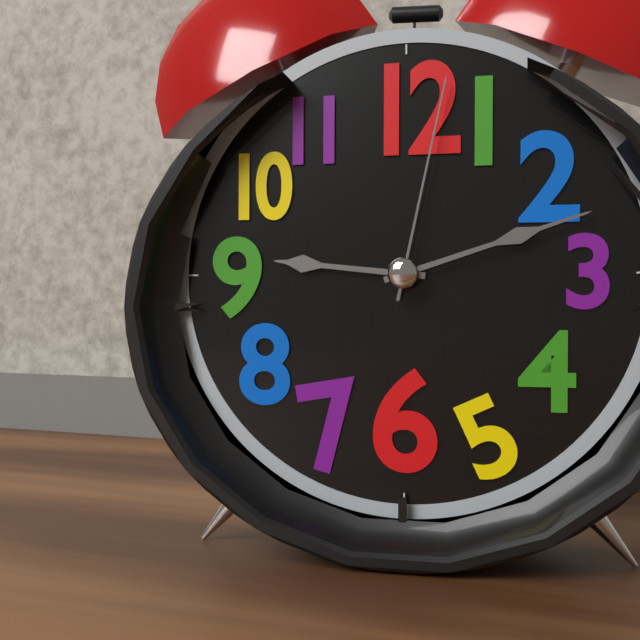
**9:12:02**
